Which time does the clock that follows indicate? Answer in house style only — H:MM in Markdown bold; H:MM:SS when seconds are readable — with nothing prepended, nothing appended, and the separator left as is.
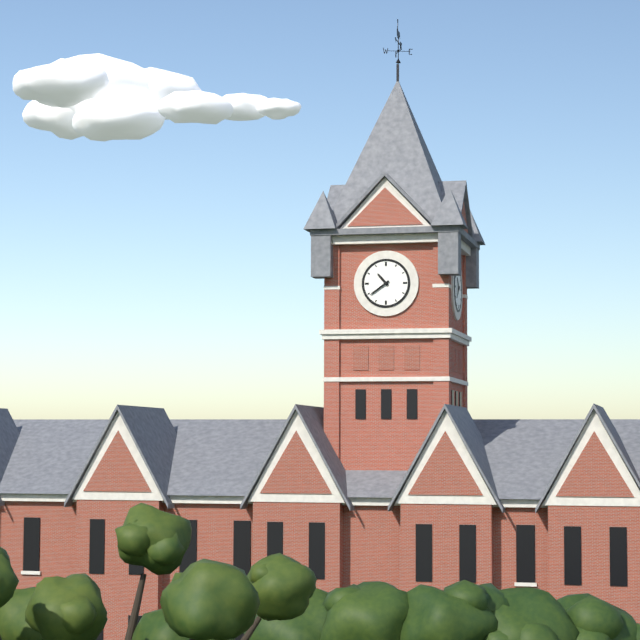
**10:39**
